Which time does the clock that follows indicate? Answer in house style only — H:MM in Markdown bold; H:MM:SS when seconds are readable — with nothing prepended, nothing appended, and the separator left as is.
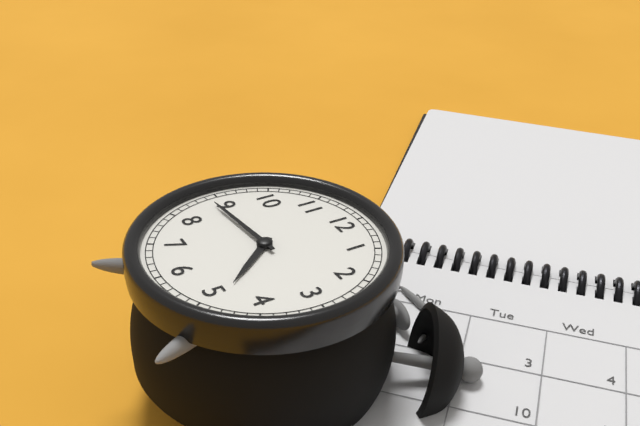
**4:44**
